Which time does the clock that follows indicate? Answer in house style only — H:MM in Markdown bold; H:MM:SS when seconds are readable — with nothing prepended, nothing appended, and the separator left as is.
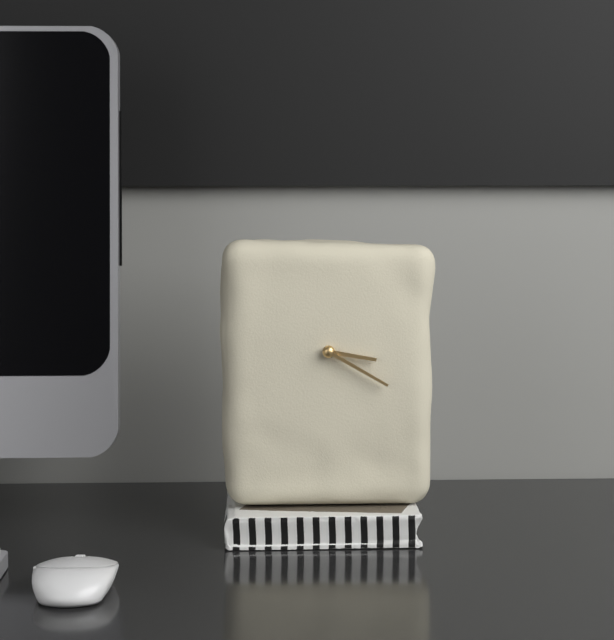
**3:20**
